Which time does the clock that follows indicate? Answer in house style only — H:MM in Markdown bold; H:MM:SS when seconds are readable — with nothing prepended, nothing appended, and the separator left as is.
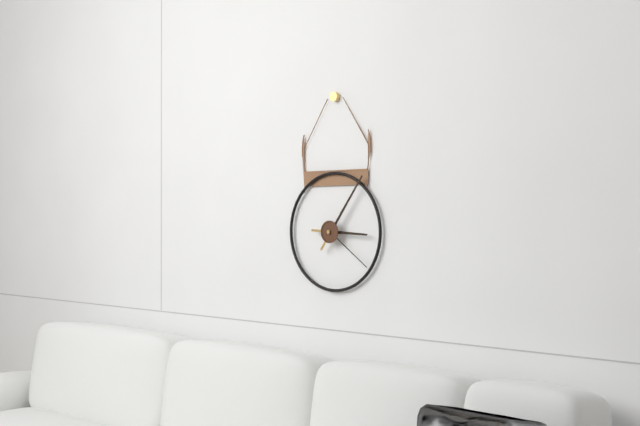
**3:06:21**
